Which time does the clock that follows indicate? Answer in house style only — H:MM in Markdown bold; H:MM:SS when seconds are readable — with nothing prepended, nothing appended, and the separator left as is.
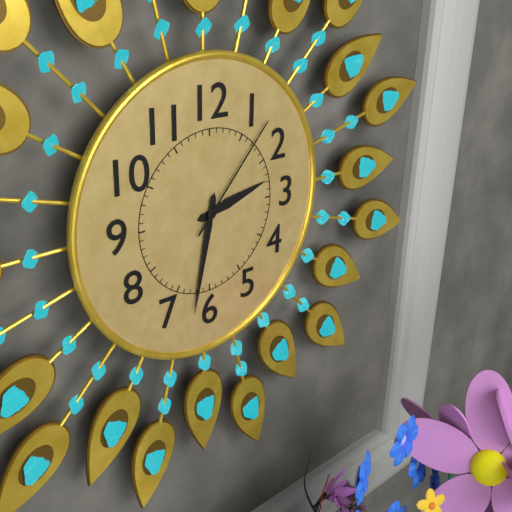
**2:32:07**
